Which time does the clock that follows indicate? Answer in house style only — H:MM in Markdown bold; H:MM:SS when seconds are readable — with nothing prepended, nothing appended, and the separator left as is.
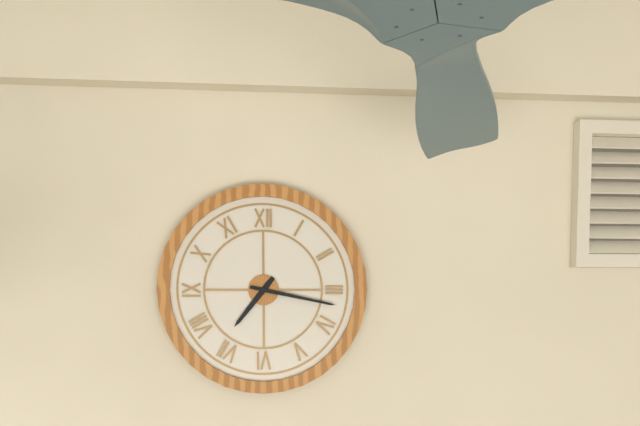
**7:17**
